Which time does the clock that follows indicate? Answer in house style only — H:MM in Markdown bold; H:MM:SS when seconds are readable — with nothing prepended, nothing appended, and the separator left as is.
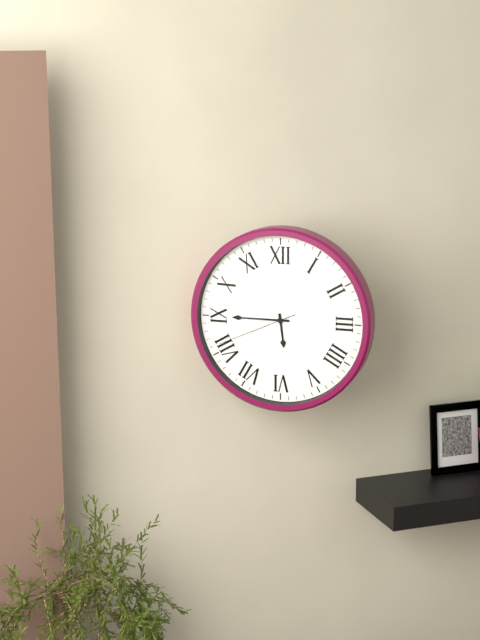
**5:45:41**
